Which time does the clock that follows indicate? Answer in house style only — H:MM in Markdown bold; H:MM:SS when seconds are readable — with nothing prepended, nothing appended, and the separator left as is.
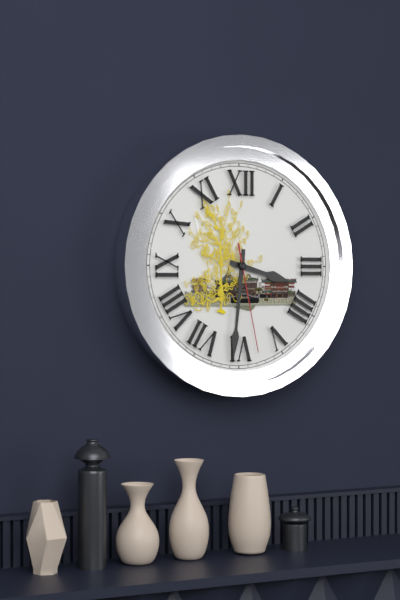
**3:31:28**
